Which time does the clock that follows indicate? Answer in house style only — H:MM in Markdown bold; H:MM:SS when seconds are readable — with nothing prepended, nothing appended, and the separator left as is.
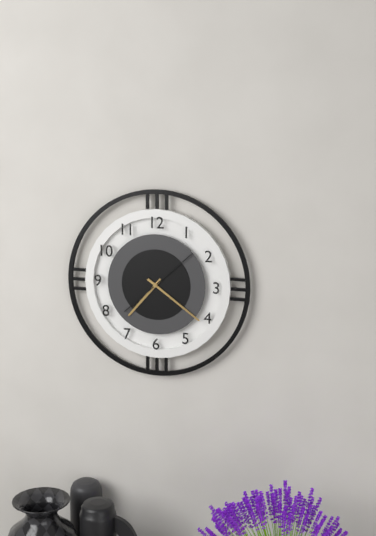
**7:21:08**
